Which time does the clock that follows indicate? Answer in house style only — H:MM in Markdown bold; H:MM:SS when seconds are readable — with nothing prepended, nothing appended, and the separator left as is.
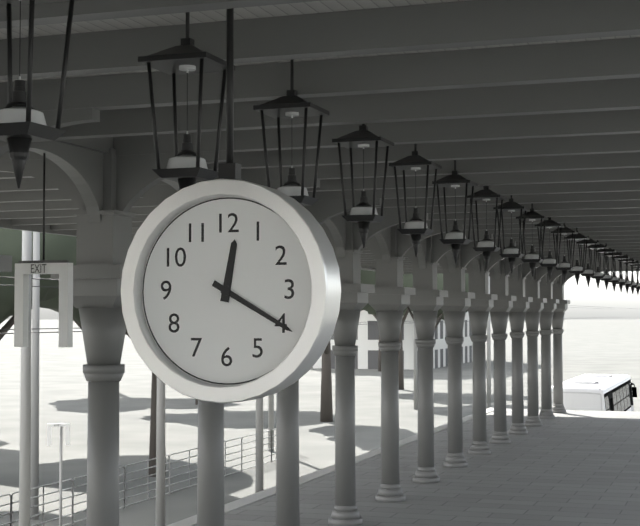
**12:20**
